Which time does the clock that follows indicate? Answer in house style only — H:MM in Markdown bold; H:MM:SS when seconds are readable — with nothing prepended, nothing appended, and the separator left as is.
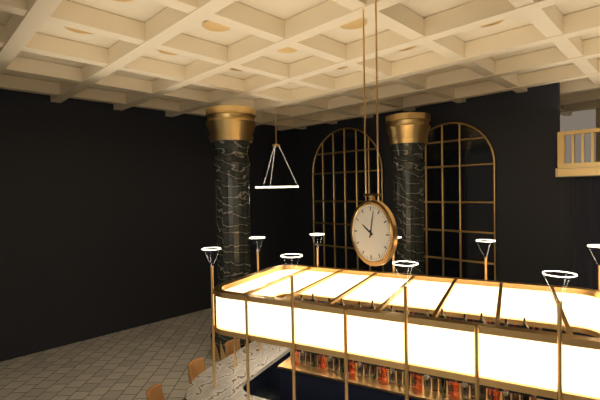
**10:02**
